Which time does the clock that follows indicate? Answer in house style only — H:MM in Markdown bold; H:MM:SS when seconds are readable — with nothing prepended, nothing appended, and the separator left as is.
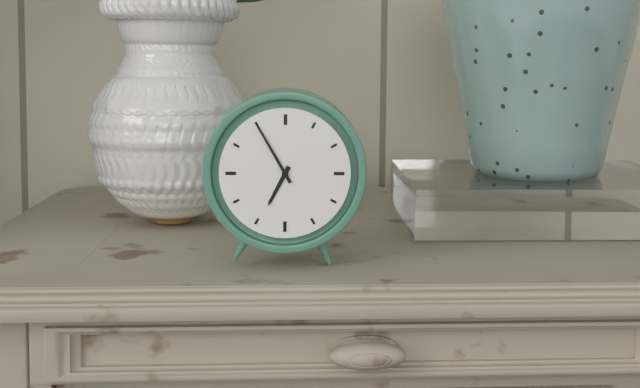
**6:55**
